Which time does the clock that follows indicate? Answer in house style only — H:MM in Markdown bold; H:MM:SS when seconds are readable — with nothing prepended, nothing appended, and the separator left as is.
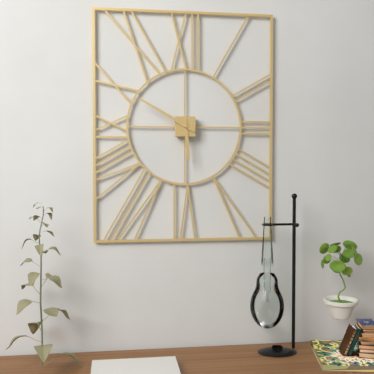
**5:50**
